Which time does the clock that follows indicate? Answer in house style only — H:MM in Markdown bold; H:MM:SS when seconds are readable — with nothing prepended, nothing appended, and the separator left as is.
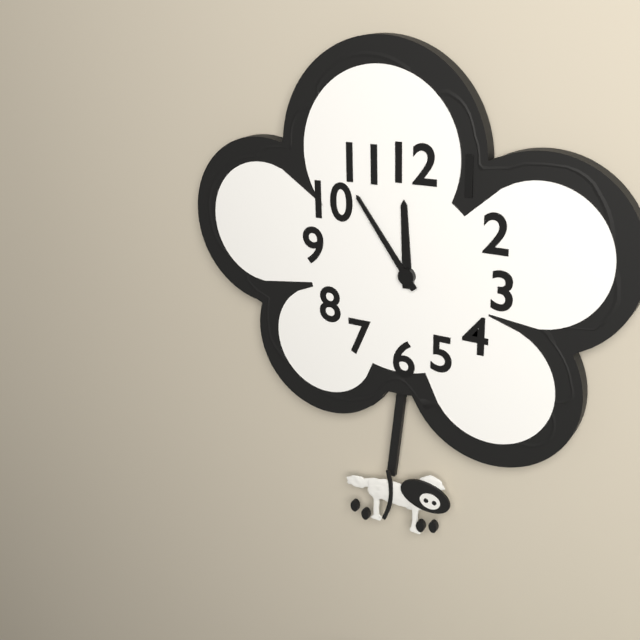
**11:54**
